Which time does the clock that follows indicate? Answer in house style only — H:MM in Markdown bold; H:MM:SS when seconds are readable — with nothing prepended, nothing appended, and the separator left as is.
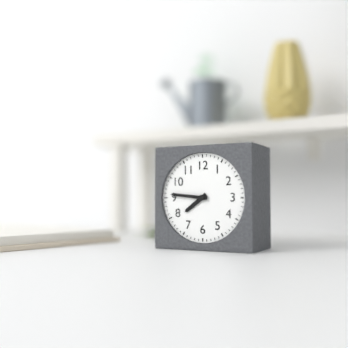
**7:46**
